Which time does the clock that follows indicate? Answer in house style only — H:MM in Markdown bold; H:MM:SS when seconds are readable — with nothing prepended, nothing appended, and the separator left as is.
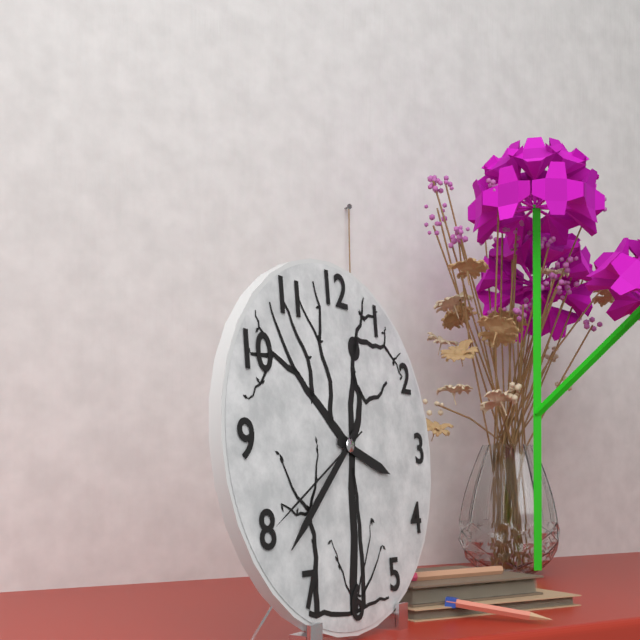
**3:38:40**
